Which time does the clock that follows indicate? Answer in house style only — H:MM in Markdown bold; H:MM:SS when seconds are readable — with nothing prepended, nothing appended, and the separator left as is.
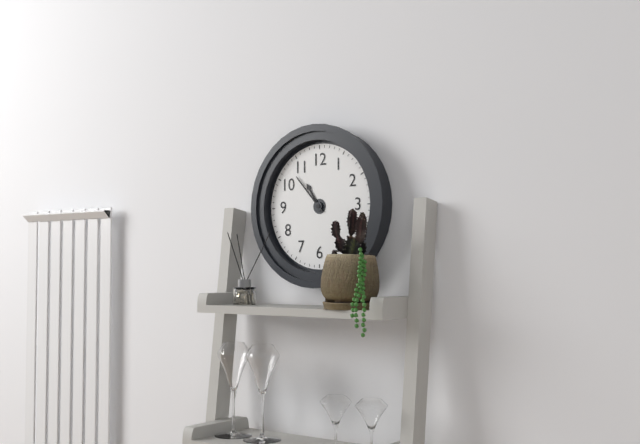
**10:53**
